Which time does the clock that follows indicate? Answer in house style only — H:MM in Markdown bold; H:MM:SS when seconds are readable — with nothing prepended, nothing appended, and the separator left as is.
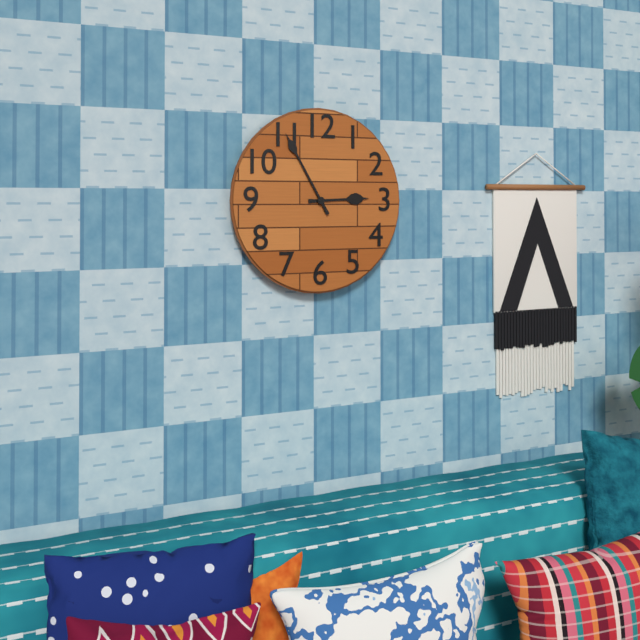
**2:55**
